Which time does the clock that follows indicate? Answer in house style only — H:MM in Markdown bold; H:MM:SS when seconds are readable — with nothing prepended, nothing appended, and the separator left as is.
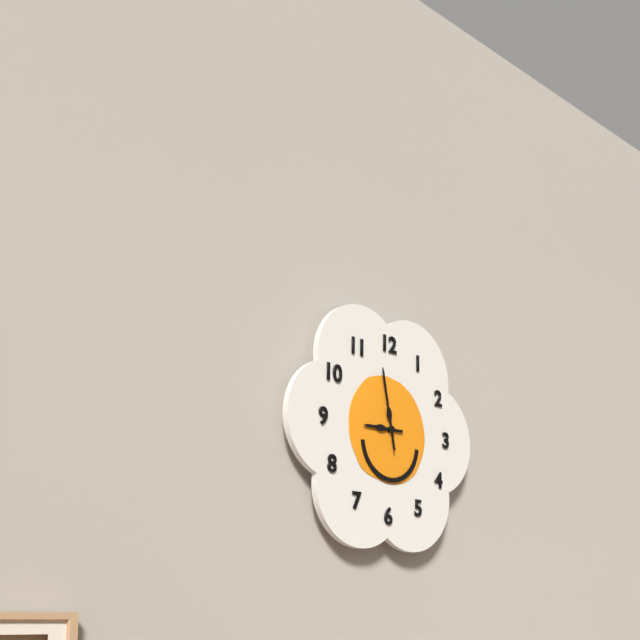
**8:58**
